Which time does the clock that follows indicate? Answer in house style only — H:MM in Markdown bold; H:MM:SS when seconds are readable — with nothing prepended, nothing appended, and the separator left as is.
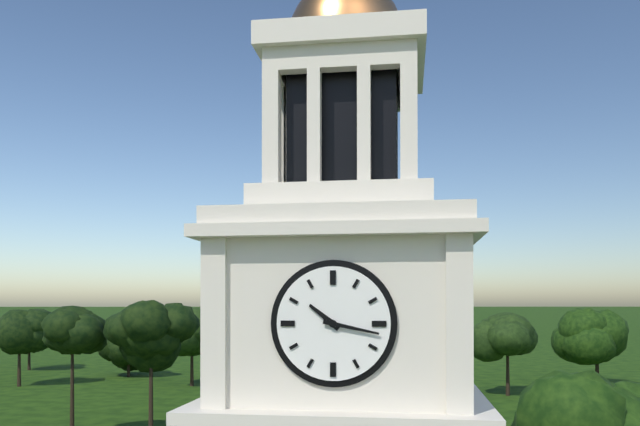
**10:17**
